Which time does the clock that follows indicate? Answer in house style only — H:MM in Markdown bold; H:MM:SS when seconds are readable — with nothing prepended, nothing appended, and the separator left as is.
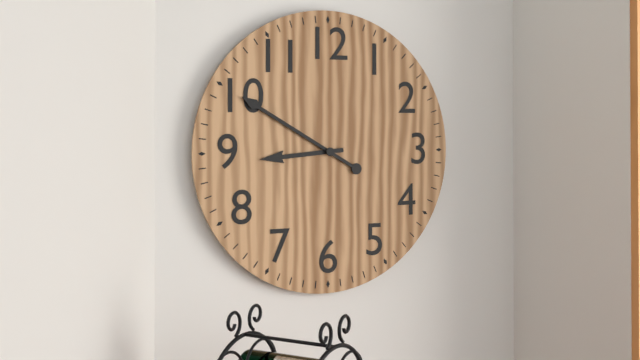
**8:50**
